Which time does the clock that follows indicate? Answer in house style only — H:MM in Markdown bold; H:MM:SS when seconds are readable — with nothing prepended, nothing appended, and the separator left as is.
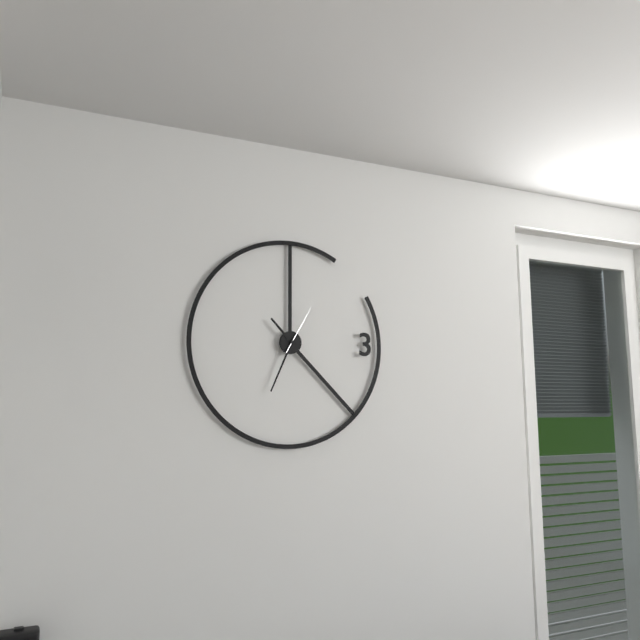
**10:34:05**
